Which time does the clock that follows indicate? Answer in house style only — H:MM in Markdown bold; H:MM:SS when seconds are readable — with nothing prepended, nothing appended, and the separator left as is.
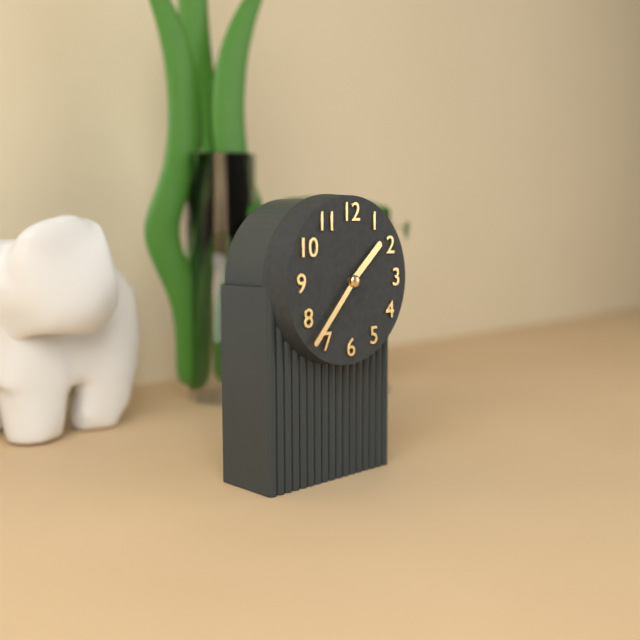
**1:37**
